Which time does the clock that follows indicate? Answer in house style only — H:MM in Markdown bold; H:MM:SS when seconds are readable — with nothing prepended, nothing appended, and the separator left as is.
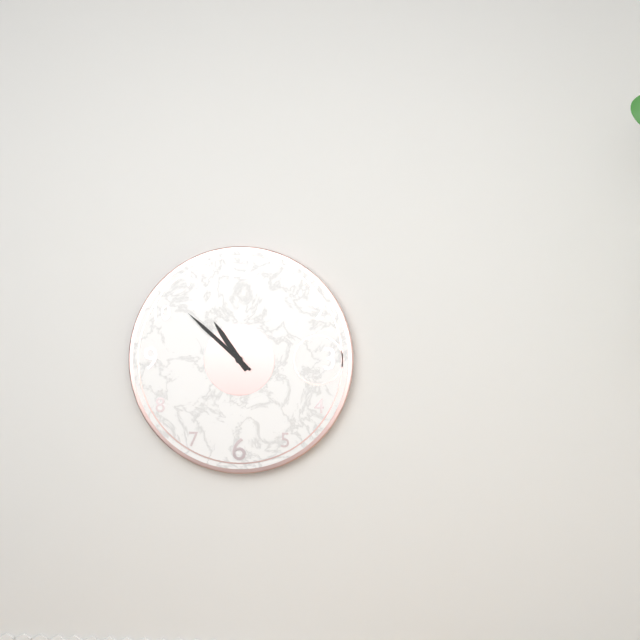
**10:52**
